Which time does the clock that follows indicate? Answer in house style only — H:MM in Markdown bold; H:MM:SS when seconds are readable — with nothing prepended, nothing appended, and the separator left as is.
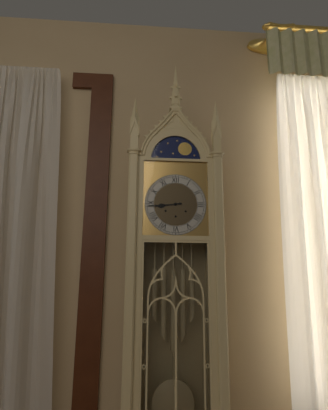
**8:44**
